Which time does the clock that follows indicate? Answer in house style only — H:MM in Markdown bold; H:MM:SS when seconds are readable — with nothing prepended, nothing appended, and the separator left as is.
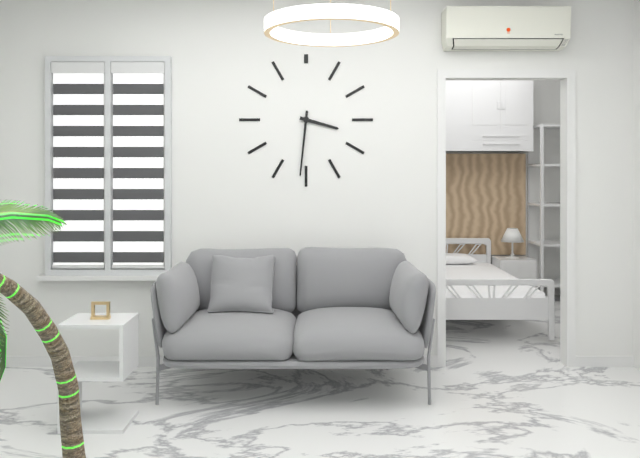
**3:31**
